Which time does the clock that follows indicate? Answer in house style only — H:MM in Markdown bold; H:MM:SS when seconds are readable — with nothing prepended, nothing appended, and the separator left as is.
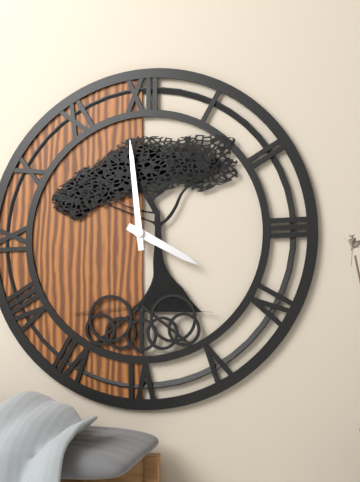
**3:59**
